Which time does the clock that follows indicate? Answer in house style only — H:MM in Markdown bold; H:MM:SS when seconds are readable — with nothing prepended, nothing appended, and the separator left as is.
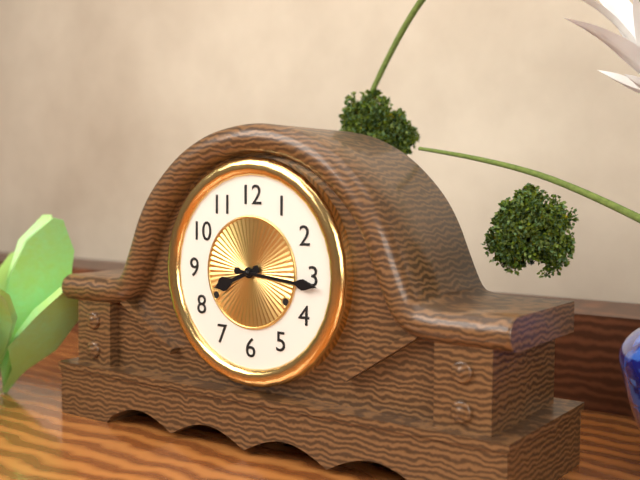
**8:16**
